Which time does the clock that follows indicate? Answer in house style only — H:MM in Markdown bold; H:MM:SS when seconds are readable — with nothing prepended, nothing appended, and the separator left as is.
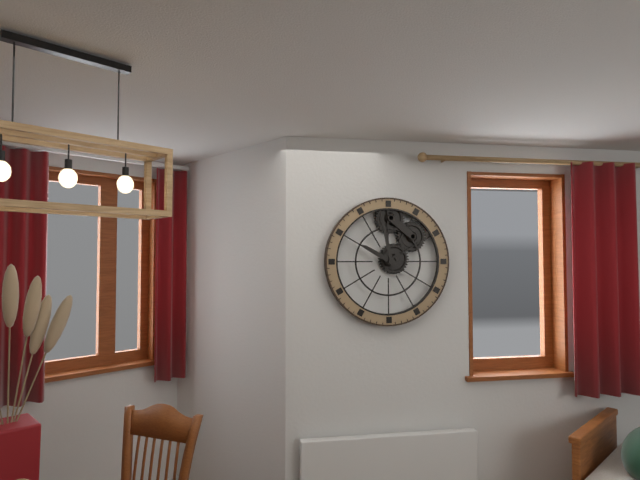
**9:58**
